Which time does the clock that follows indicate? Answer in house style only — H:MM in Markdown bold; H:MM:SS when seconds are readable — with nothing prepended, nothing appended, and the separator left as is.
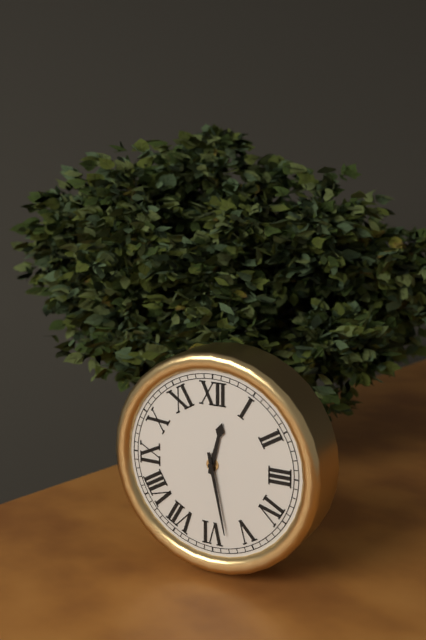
**12:28**
